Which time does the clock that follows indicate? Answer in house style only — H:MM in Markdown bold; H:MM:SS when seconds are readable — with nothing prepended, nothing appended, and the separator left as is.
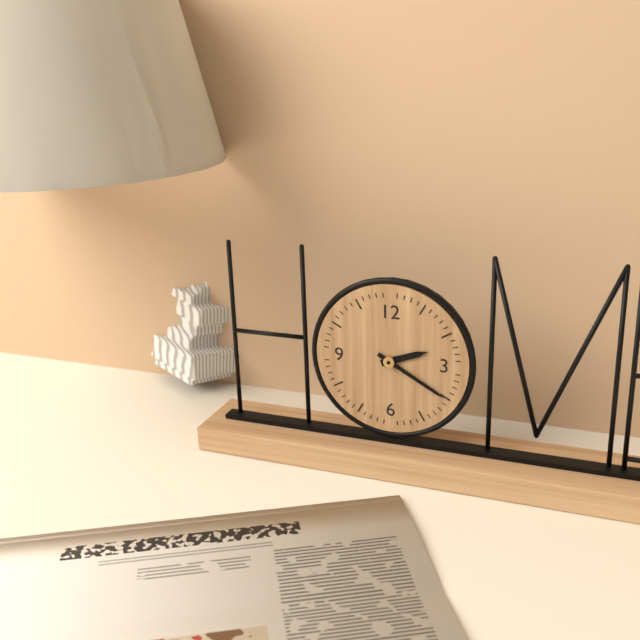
**2:20**
